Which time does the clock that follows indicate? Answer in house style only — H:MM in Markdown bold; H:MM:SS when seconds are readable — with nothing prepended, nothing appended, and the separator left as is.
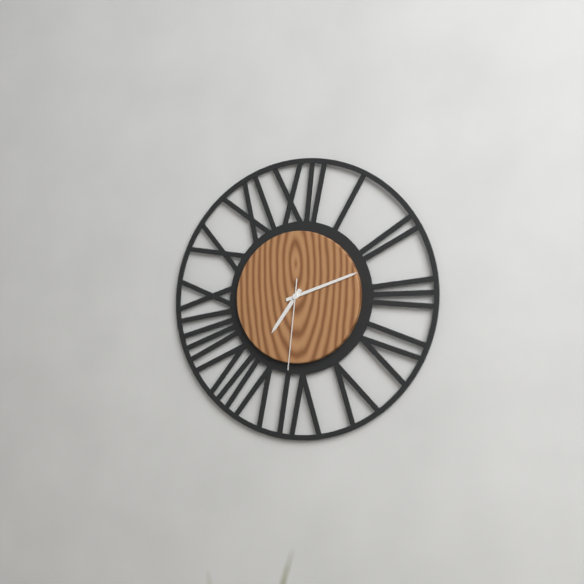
**7:12:31**
